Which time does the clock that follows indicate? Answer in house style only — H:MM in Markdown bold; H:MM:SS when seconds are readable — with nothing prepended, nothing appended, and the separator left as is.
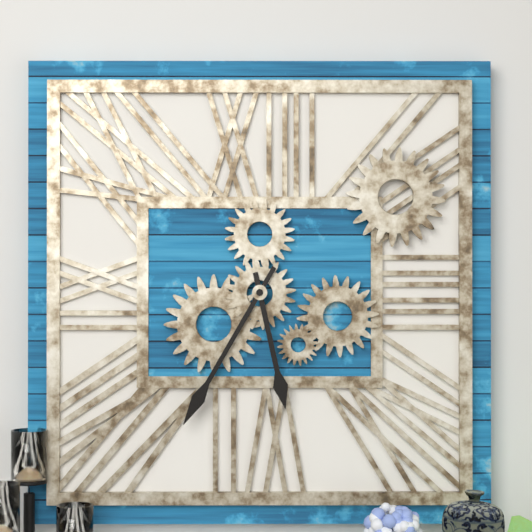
**5:35**
